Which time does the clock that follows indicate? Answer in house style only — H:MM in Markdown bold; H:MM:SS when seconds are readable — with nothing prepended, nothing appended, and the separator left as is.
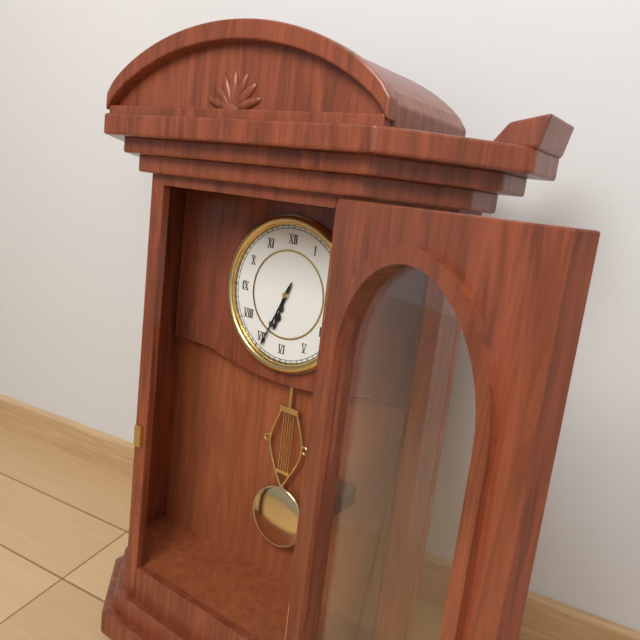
**6:34**
